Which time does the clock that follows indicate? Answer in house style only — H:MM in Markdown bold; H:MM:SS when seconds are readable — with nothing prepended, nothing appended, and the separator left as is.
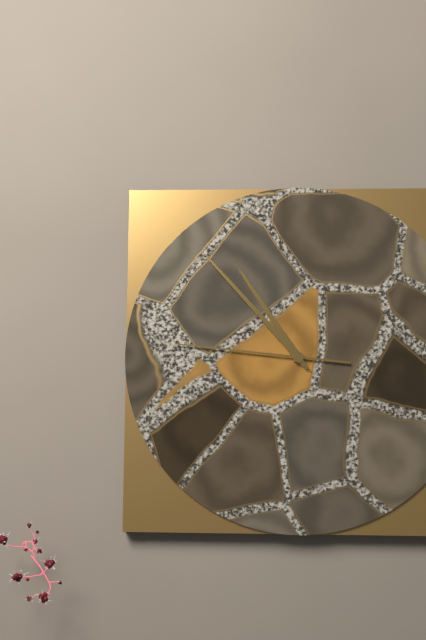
**10:53:46**
